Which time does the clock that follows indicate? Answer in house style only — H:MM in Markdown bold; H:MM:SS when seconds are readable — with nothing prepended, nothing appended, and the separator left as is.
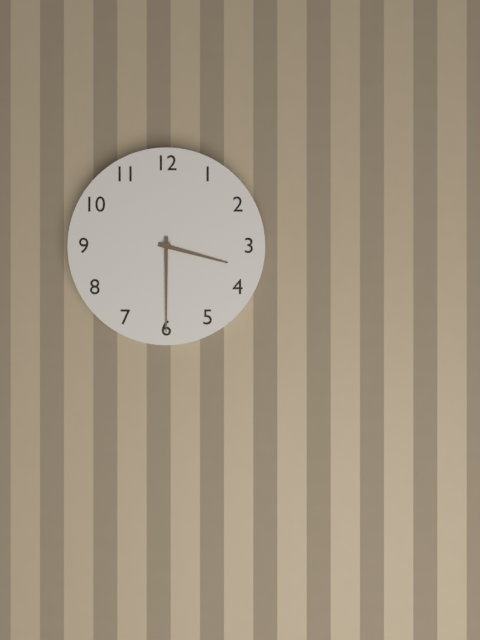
**3:30**
